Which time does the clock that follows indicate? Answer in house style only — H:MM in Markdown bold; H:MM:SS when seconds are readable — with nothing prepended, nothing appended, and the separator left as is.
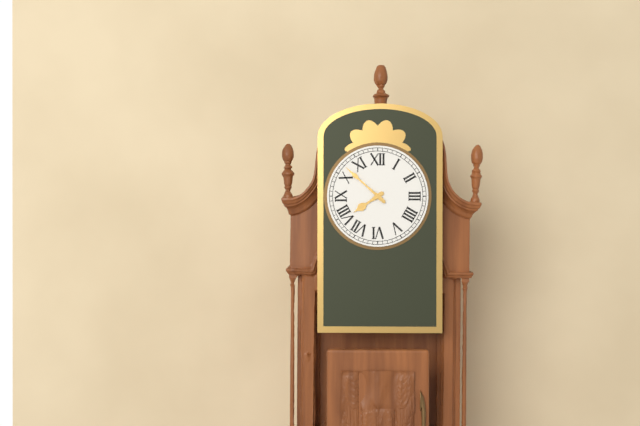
**7:52**
